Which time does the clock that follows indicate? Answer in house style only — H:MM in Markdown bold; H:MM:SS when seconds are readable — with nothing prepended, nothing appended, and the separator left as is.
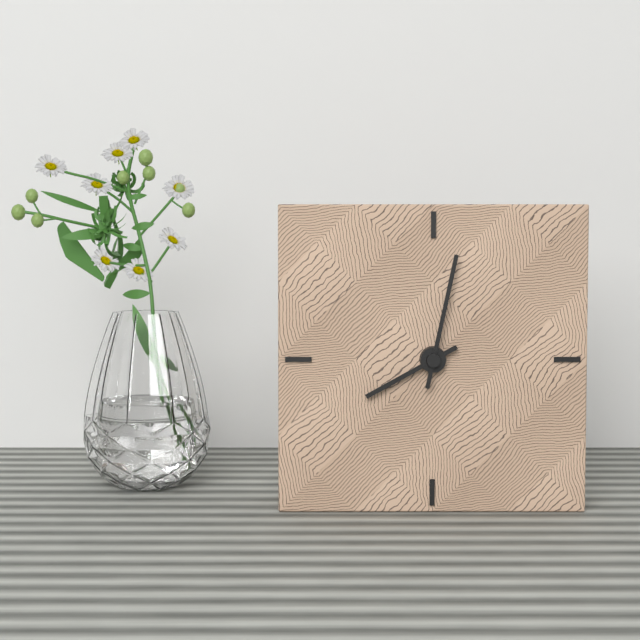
**8:02**
